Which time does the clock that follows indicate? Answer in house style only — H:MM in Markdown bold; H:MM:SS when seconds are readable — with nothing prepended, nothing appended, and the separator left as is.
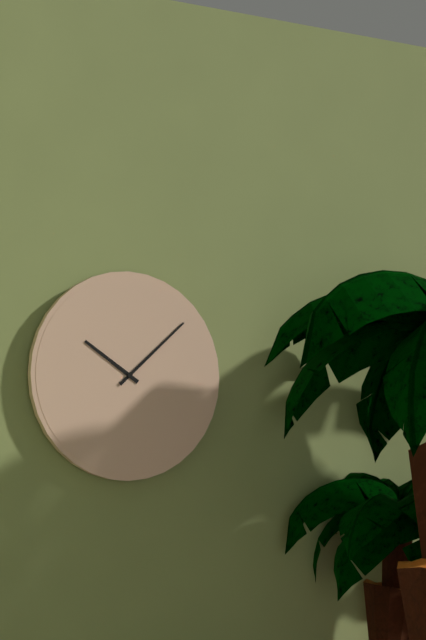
**10:08**
